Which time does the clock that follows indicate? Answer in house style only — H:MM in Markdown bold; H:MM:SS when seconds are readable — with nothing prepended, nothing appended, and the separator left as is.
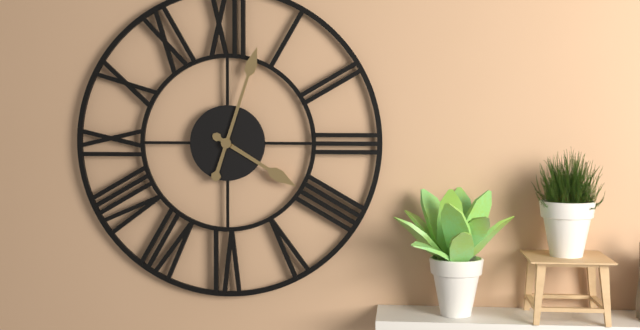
**4:03**
